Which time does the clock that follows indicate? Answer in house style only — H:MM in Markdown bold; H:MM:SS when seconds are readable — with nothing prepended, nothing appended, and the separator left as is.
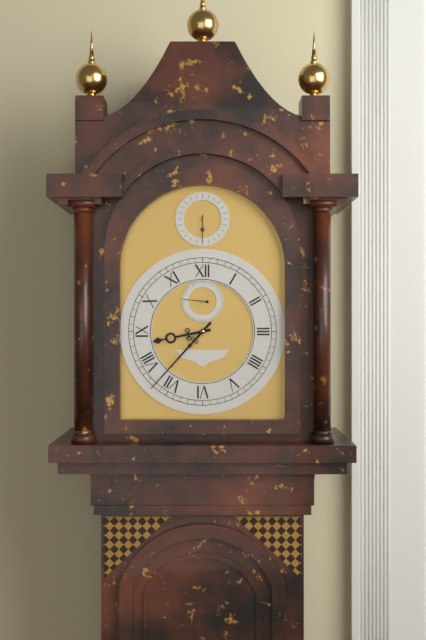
**8:37**
